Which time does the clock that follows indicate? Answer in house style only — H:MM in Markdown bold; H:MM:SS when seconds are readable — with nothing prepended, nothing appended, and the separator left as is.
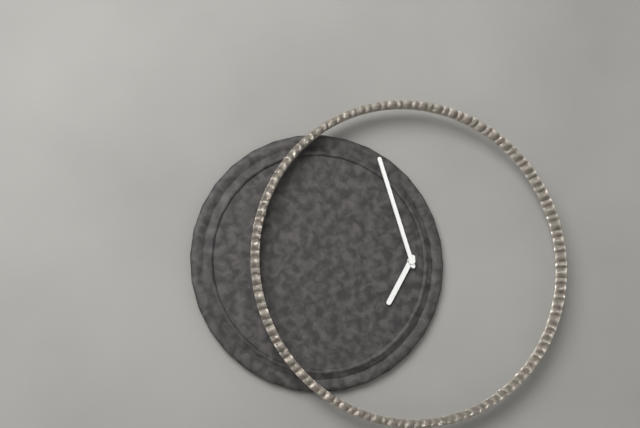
**6:57**
